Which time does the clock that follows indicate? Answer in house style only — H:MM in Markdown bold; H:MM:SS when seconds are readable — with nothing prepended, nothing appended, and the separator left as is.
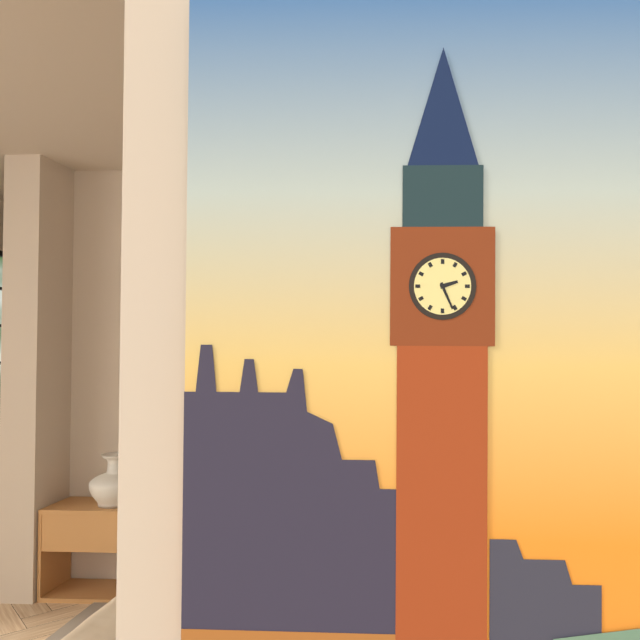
**2:26**
